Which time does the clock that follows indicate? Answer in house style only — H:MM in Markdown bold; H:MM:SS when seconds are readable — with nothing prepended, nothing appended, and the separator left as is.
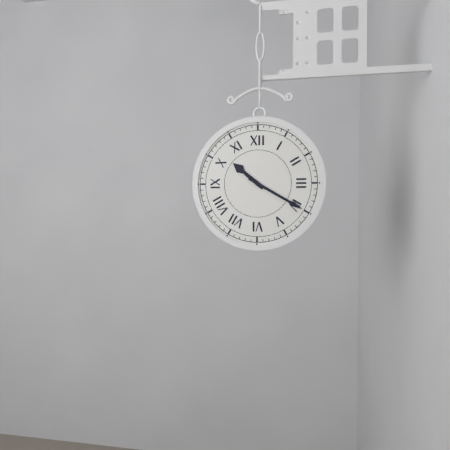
**10:20**
